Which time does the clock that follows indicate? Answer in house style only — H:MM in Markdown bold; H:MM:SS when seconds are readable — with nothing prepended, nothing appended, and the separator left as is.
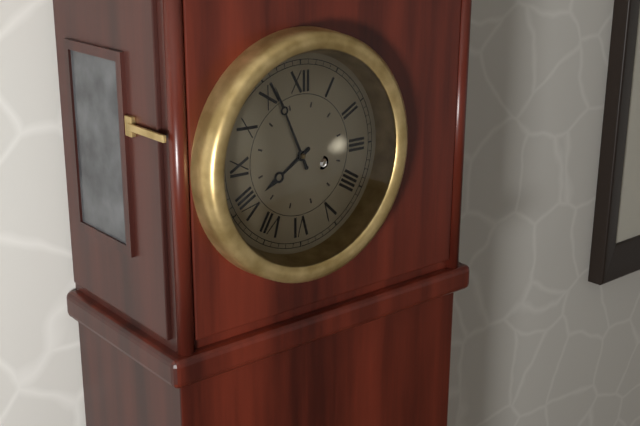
**7:56**
